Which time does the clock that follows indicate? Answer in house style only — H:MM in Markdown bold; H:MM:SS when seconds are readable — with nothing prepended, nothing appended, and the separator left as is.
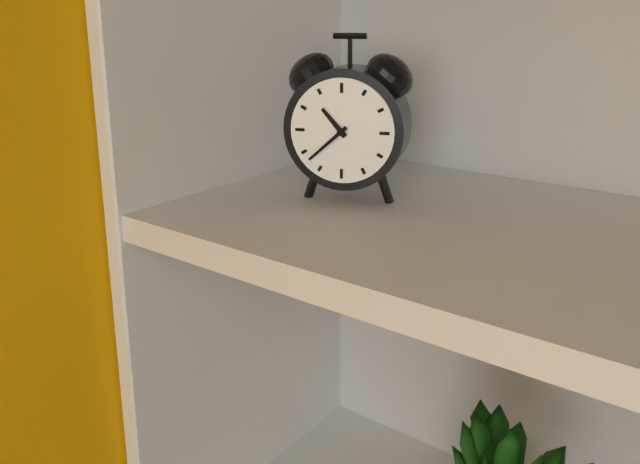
**10:38**
